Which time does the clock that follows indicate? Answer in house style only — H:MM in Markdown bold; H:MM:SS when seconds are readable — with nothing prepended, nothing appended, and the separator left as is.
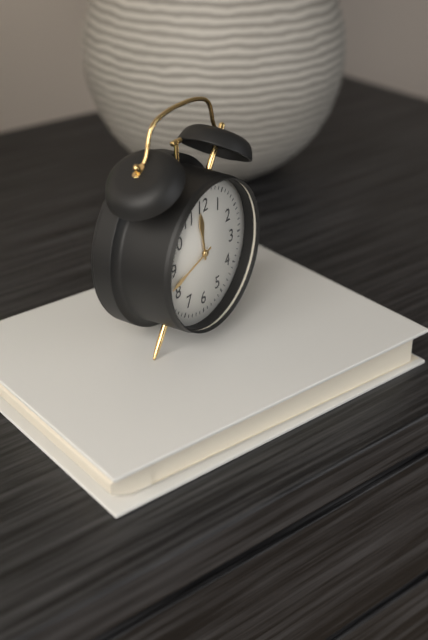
**11:42**
